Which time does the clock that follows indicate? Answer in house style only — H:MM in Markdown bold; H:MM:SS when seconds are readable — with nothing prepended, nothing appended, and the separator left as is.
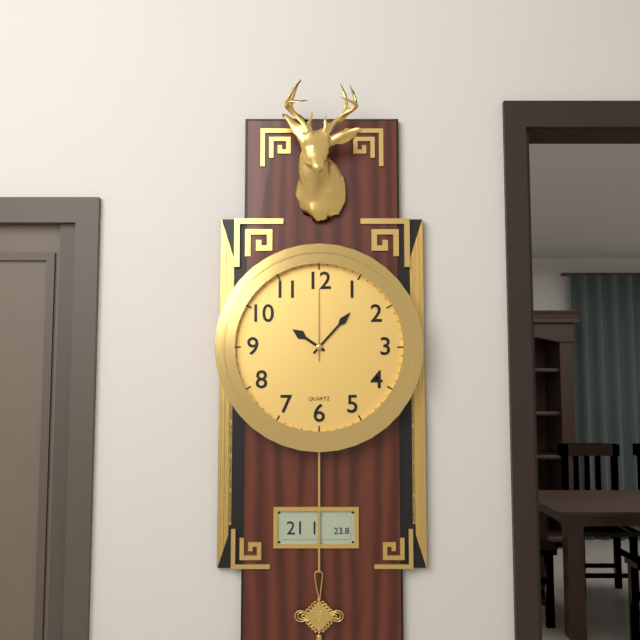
**10:07:00**
